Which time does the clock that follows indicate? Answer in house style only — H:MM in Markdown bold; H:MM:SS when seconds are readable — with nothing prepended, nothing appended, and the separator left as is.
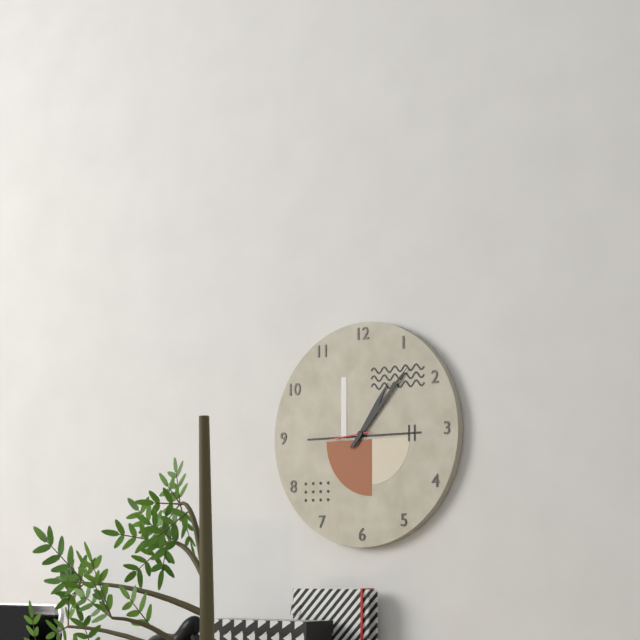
**1:07**
